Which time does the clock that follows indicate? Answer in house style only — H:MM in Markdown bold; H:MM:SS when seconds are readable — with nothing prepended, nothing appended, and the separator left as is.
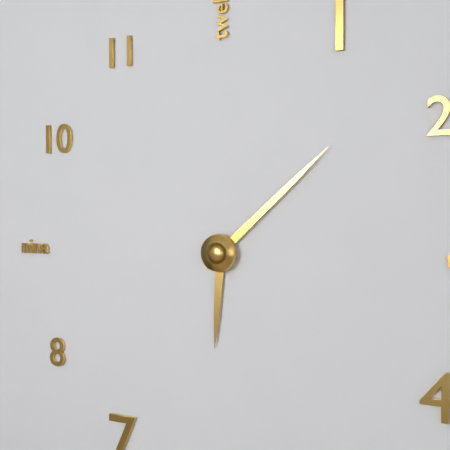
**6:08**
